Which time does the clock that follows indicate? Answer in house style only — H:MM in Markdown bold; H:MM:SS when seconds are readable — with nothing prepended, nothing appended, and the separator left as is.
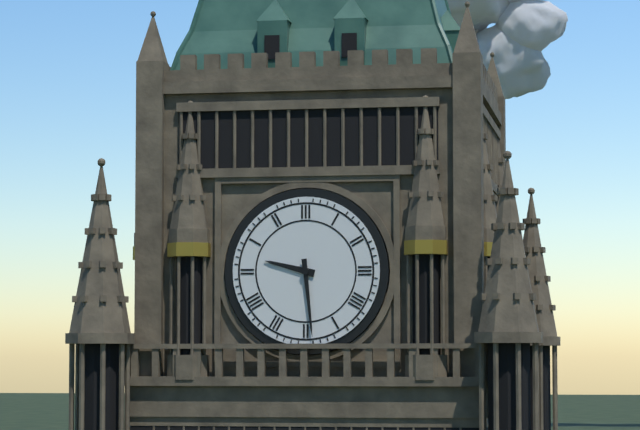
**9:29**
